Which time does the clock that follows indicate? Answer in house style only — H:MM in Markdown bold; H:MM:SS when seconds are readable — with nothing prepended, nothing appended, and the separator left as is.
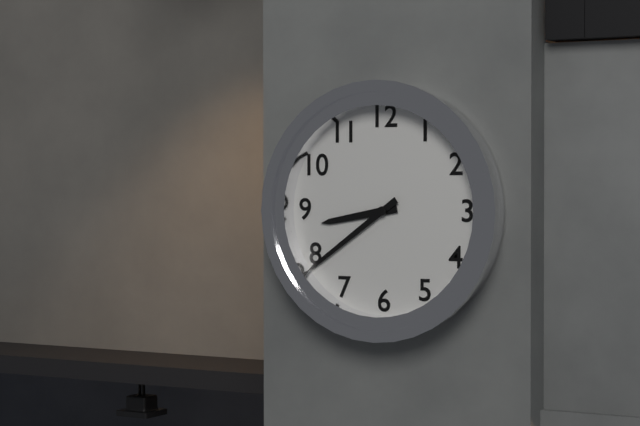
**8:39**
